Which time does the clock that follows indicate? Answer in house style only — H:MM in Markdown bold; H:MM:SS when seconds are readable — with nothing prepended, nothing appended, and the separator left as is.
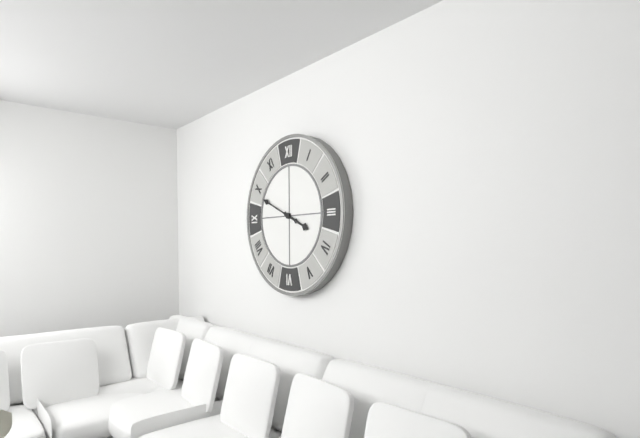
**3:49**
